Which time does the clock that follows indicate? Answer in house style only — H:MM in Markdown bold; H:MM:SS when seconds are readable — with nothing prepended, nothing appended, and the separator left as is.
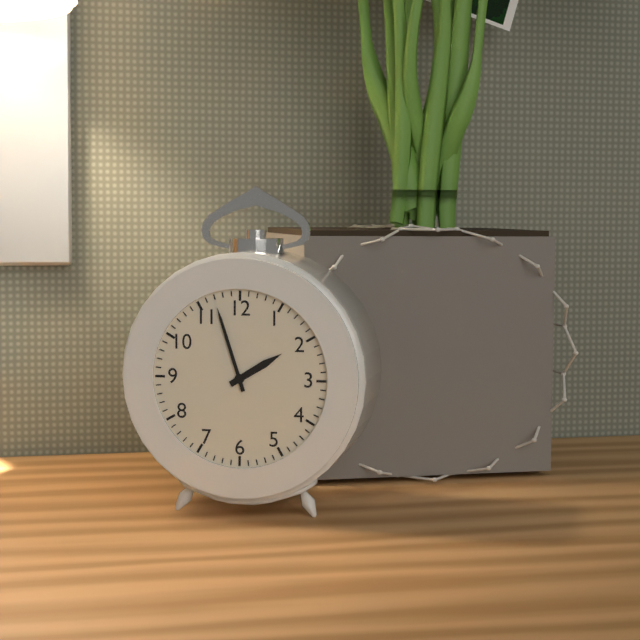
**1:57**
